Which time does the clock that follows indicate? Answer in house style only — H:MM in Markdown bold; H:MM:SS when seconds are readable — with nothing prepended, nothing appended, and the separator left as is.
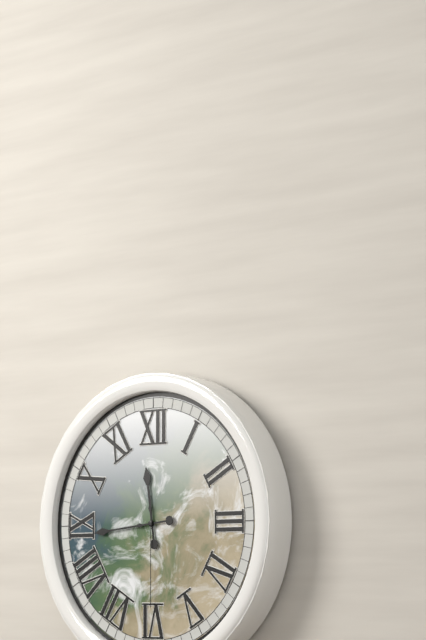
**11:44:30**
